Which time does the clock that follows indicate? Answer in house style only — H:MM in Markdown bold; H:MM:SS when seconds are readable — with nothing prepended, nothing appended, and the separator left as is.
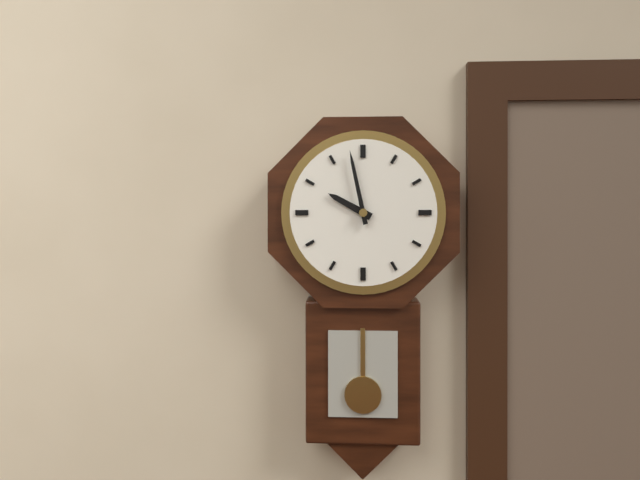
**9:58**
